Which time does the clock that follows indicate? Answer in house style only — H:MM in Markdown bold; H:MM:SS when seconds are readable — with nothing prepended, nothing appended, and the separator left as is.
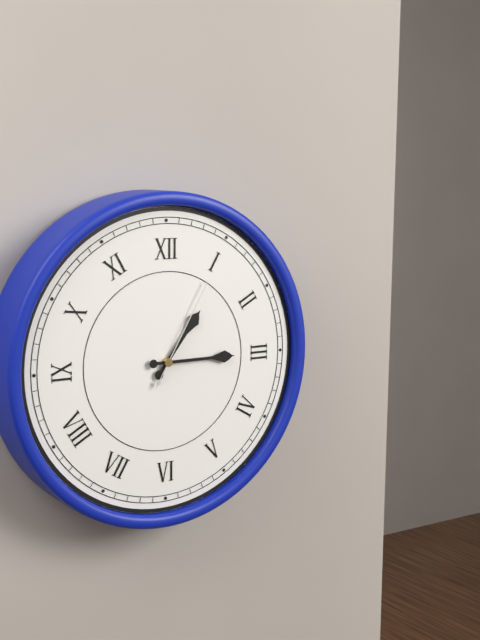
**1:15:05**
